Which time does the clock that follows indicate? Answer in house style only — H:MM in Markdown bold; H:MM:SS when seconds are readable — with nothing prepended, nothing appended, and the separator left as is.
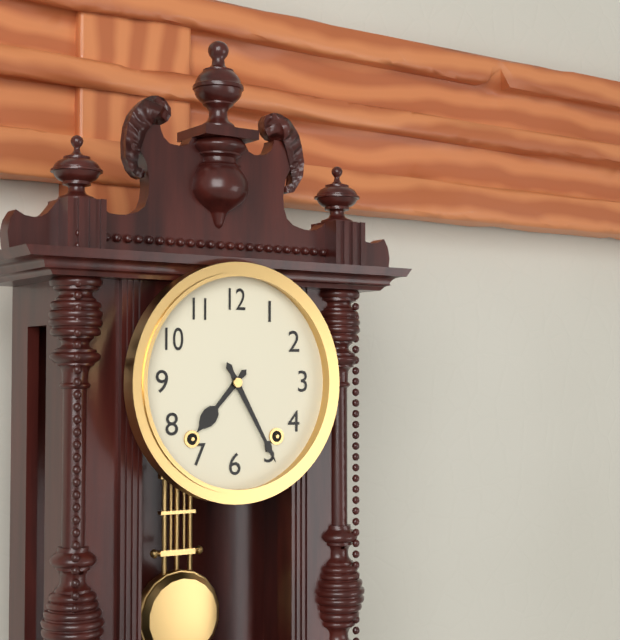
**7:25**
